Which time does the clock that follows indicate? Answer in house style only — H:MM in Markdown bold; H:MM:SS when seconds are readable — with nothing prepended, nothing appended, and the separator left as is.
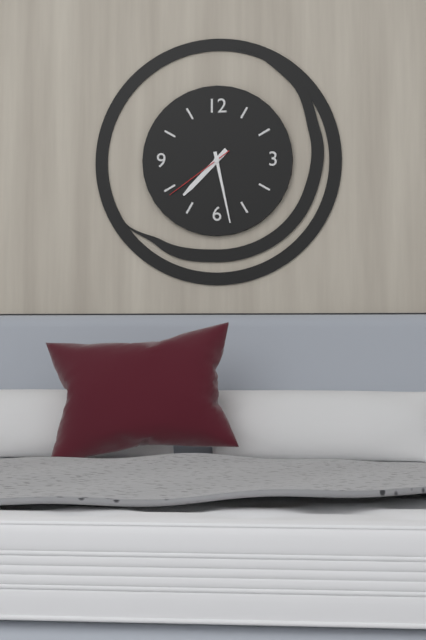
**7:28:39**
